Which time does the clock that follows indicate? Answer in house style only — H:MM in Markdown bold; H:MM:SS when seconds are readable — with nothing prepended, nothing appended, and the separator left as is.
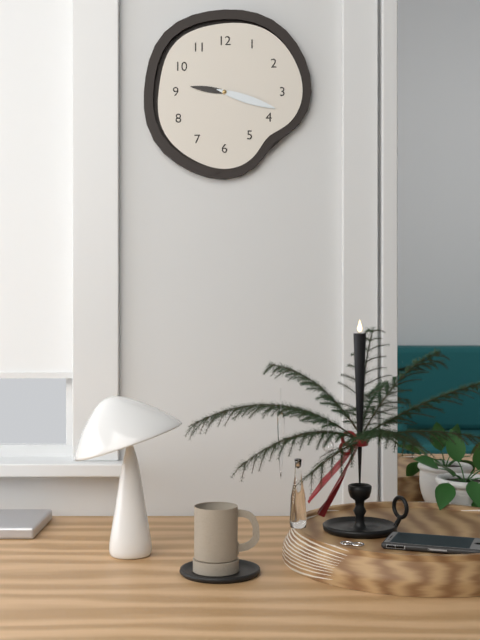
**9:18**
